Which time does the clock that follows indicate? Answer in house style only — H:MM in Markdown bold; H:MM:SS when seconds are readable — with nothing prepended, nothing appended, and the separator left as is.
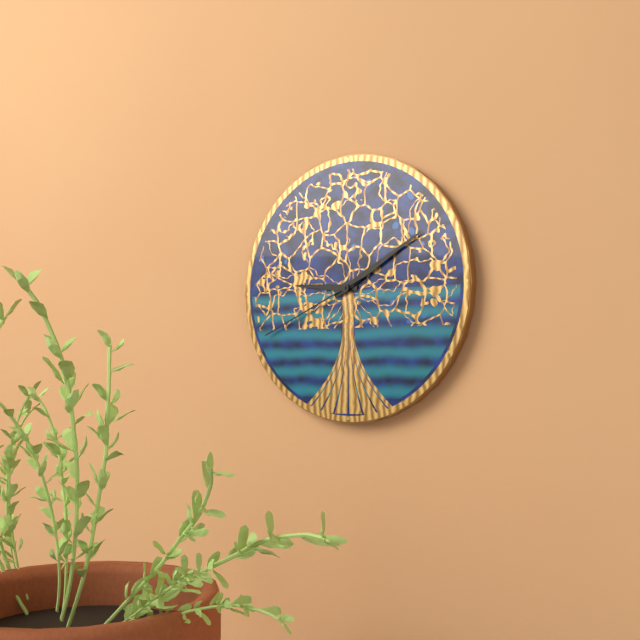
**9:10:41**
